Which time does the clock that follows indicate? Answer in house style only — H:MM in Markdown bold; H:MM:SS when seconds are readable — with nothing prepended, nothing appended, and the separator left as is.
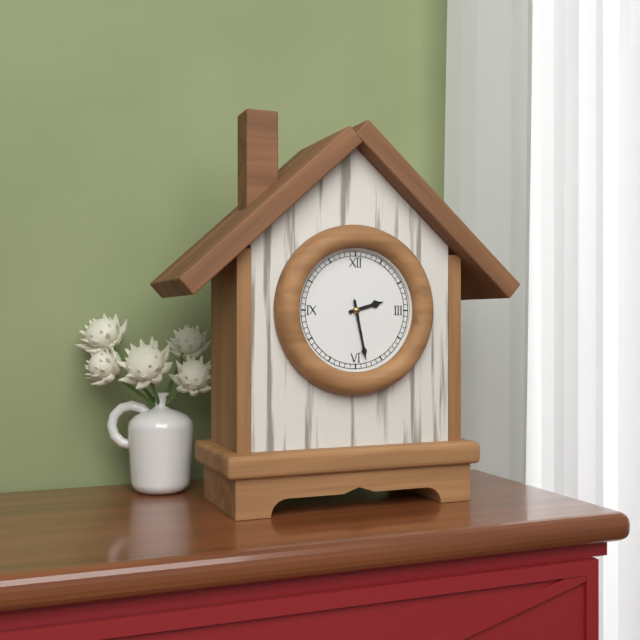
**2:28**
